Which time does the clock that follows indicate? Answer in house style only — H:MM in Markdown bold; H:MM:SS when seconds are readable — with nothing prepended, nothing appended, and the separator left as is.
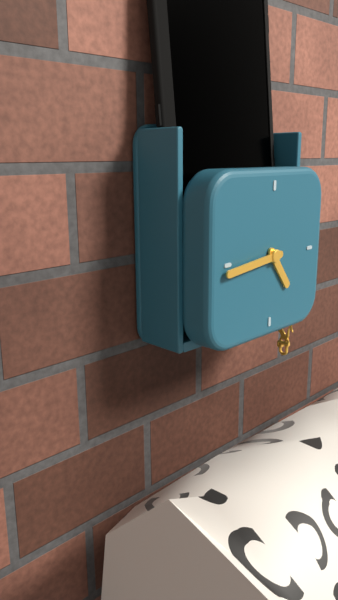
**4:44**
